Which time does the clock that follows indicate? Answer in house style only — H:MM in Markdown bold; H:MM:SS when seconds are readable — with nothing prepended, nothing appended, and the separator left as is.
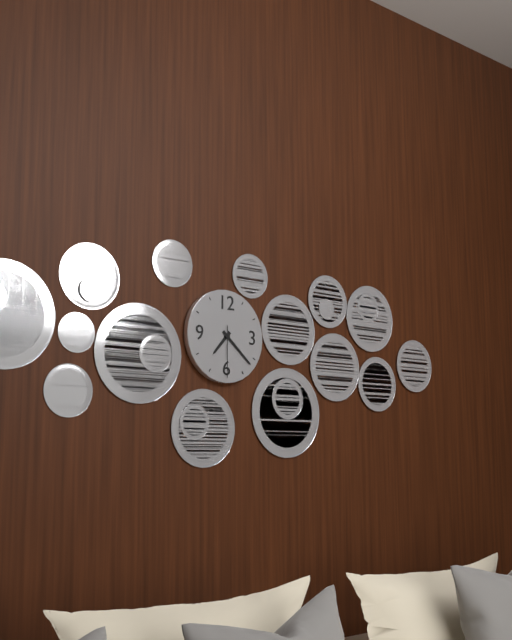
**7:22:30**
